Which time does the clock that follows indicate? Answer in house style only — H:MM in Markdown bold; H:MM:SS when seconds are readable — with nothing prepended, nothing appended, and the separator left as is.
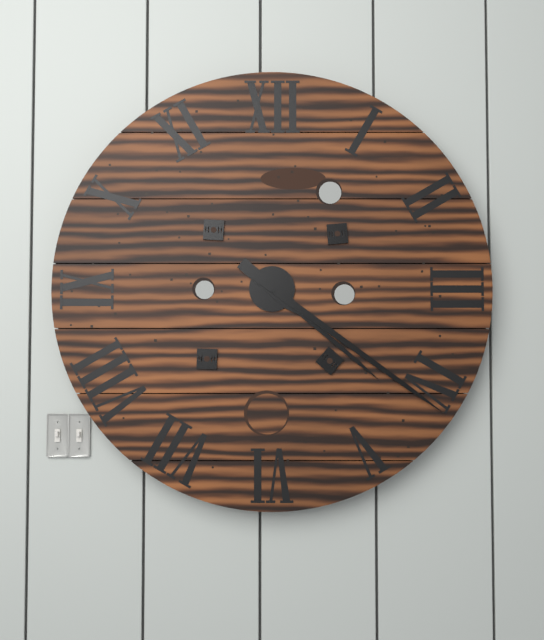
**4:21**
